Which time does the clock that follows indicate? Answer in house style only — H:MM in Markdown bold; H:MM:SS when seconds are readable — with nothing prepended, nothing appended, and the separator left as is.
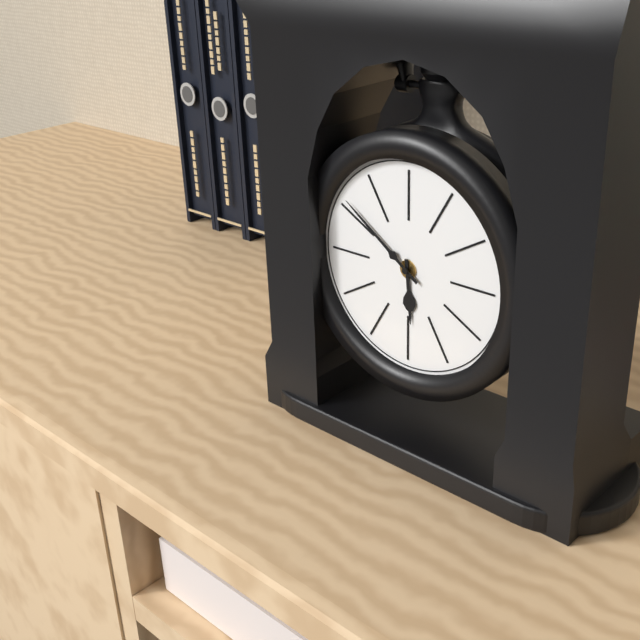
**5:51**
